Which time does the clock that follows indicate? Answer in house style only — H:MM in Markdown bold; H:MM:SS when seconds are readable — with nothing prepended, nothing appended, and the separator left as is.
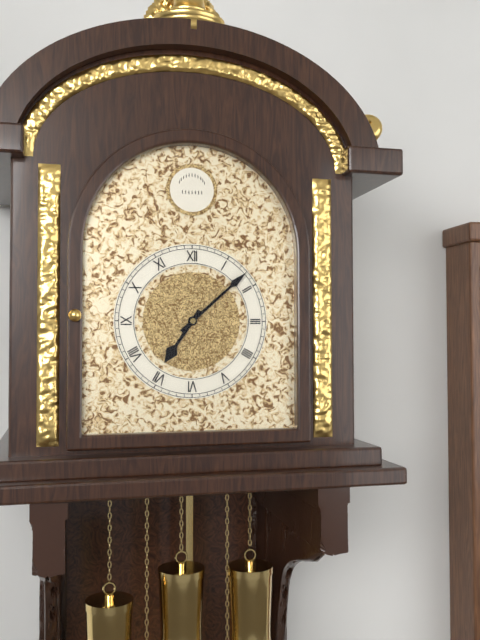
**7:08**
